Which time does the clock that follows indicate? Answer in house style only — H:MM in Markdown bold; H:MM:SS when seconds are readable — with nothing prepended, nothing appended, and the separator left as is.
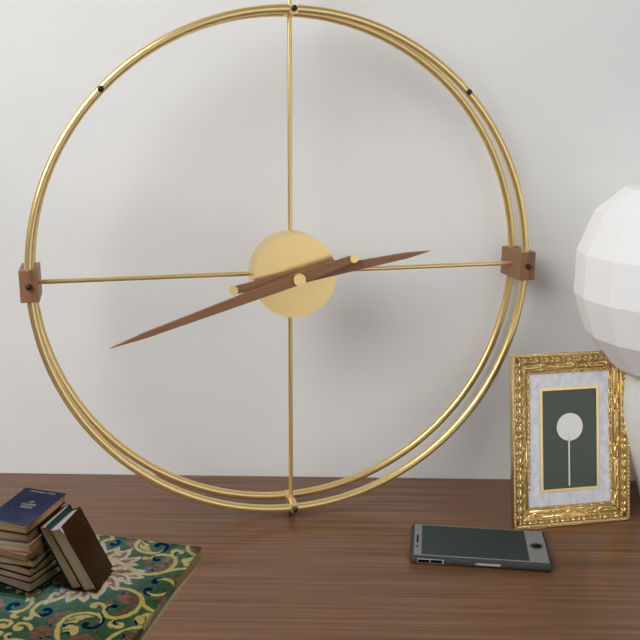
**2:42**
